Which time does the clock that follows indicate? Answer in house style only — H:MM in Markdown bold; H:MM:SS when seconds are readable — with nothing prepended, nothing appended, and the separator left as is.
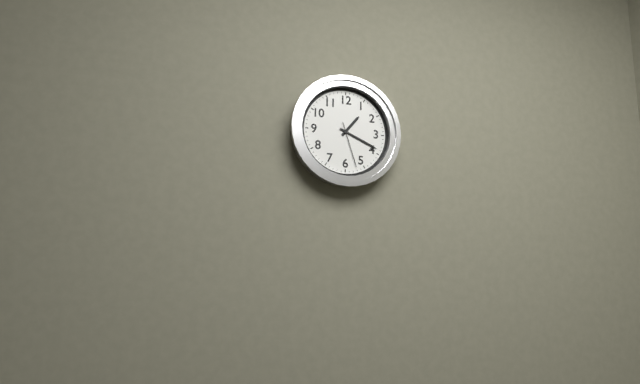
**1:19**
